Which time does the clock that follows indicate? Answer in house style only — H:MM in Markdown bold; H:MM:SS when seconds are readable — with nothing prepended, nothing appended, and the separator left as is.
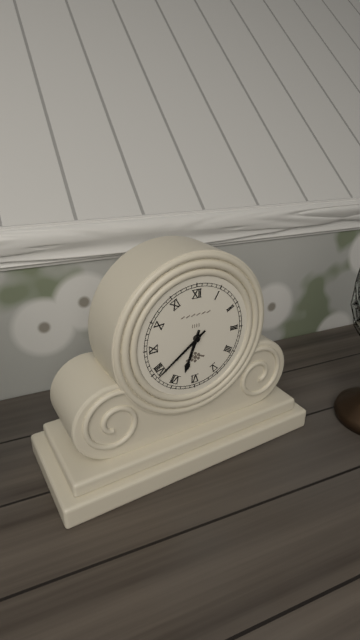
**6:39**
